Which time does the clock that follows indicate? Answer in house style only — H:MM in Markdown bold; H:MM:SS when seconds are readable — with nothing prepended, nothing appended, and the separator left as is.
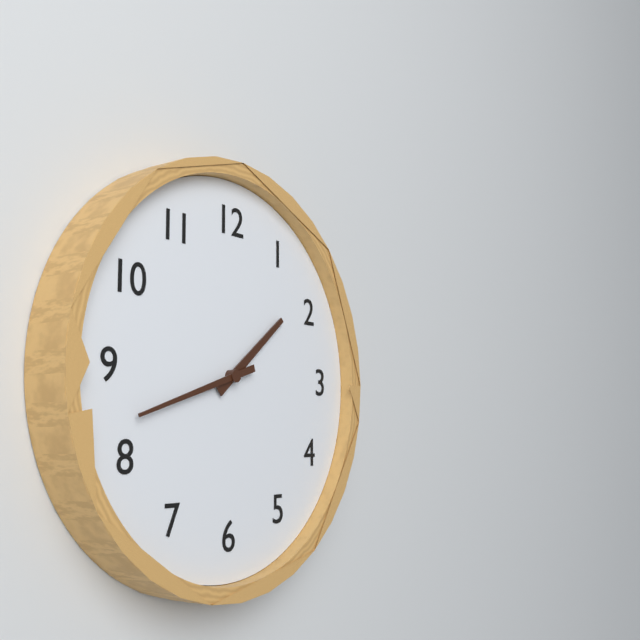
**1:42**
